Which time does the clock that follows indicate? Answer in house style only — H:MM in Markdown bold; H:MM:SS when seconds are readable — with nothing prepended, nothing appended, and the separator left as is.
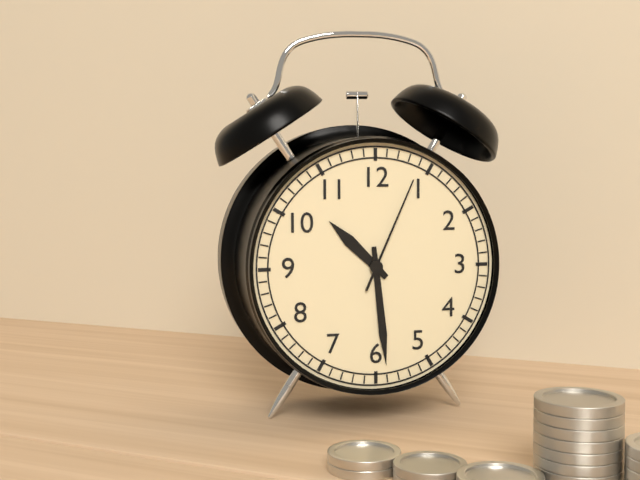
**10:29:04**
